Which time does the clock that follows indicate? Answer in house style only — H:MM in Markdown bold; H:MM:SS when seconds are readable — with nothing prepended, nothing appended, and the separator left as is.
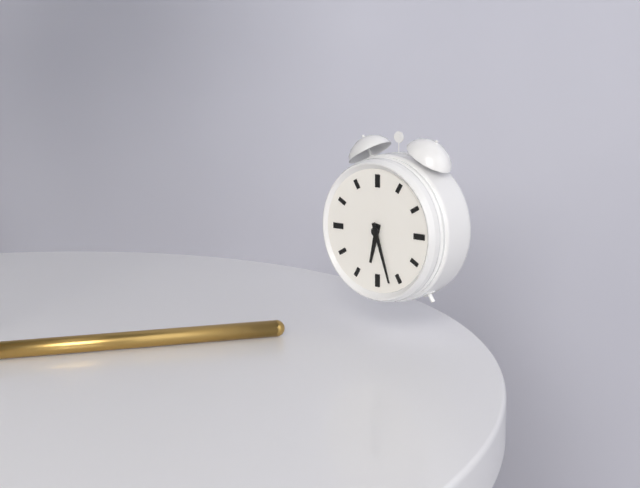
**6:27**
